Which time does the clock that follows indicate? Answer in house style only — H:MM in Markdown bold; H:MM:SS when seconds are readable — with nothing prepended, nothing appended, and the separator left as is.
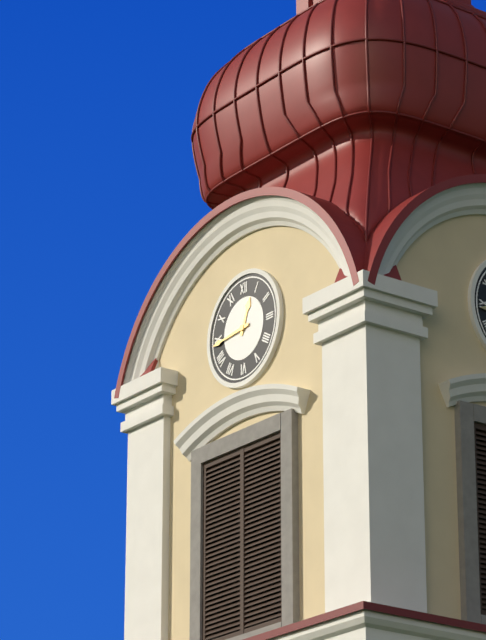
**12:44**
